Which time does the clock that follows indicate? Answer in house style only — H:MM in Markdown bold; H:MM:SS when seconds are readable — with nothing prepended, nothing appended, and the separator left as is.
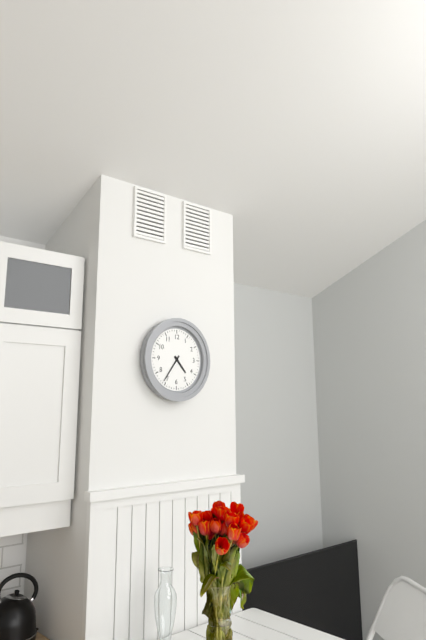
**4:36**
